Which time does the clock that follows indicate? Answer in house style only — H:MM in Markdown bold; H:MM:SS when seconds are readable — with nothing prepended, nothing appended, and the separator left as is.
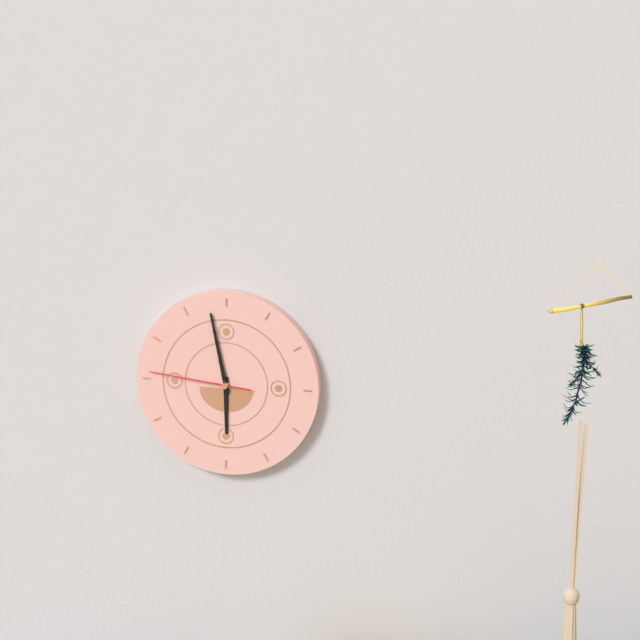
**5:58:46**
